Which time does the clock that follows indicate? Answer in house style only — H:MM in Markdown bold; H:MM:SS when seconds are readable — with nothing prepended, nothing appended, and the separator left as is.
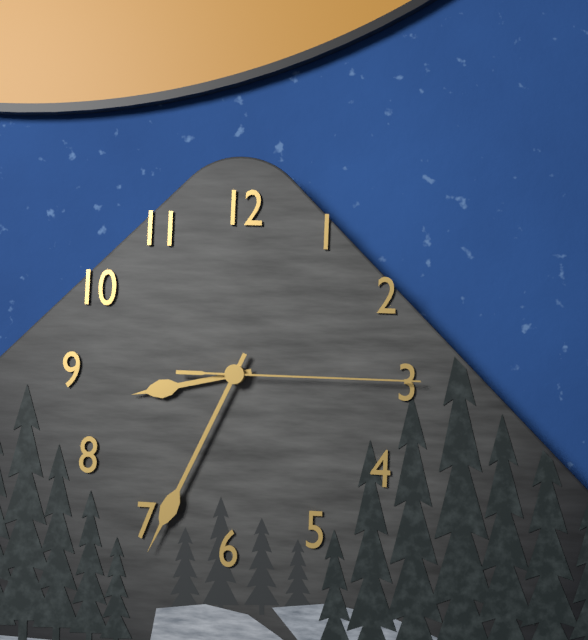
**8:34:15**
